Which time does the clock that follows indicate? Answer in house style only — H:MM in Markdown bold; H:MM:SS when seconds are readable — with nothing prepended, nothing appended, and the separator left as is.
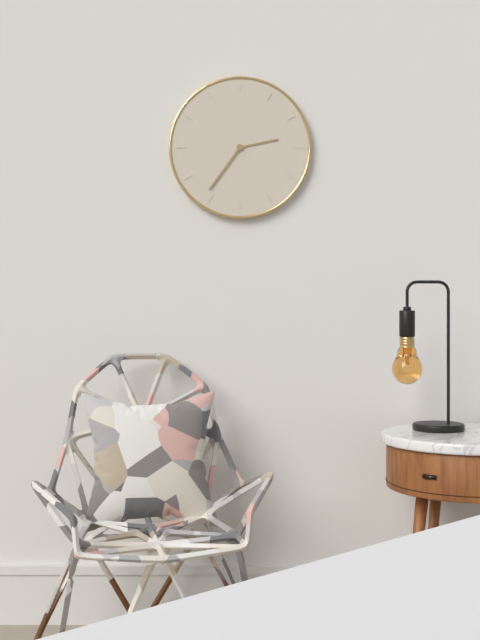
**2:36**
